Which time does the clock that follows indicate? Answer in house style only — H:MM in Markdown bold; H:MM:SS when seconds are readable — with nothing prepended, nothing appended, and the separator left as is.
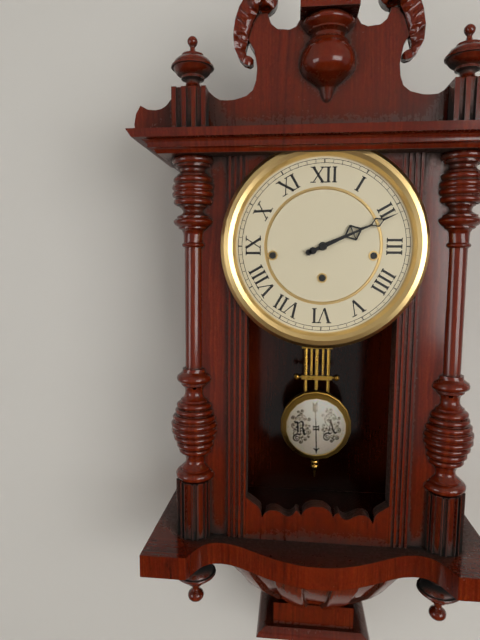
**2:11**
